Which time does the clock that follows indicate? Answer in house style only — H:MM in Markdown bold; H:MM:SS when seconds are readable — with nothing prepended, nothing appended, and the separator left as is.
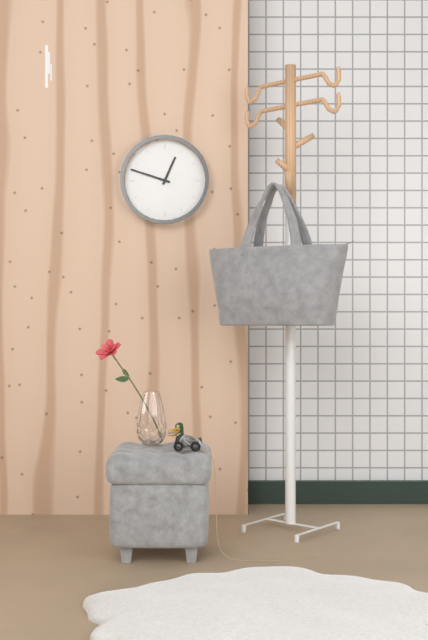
**12:48**
